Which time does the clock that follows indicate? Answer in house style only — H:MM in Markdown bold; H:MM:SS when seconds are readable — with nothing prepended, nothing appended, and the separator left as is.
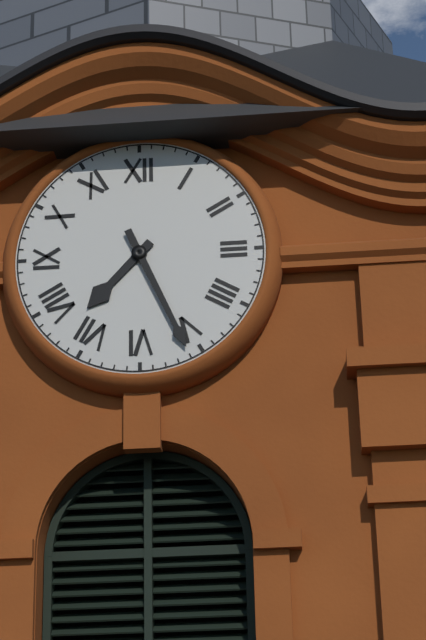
**7:26**
